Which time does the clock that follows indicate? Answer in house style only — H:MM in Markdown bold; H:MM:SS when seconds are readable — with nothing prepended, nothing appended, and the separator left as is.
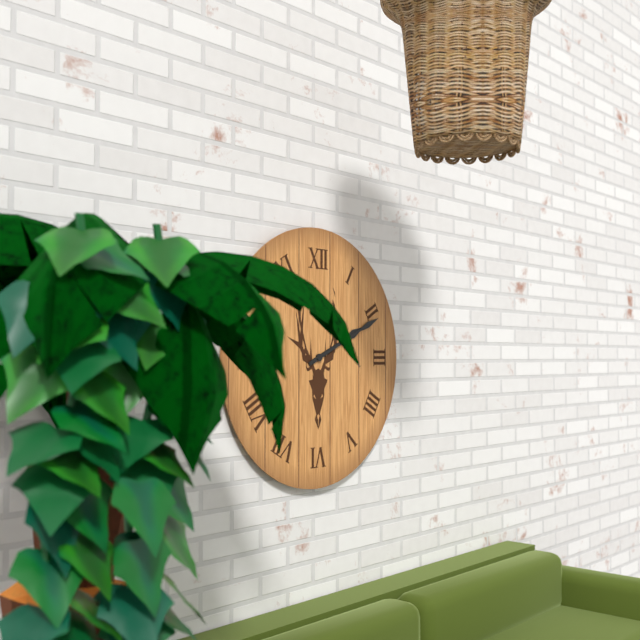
**2:11**
